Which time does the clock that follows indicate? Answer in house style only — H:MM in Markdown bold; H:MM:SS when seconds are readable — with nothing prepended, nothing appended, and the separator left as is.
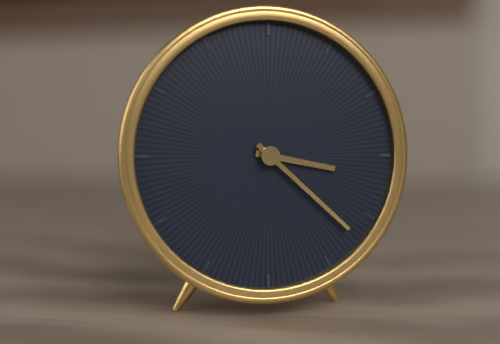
**3:22**
